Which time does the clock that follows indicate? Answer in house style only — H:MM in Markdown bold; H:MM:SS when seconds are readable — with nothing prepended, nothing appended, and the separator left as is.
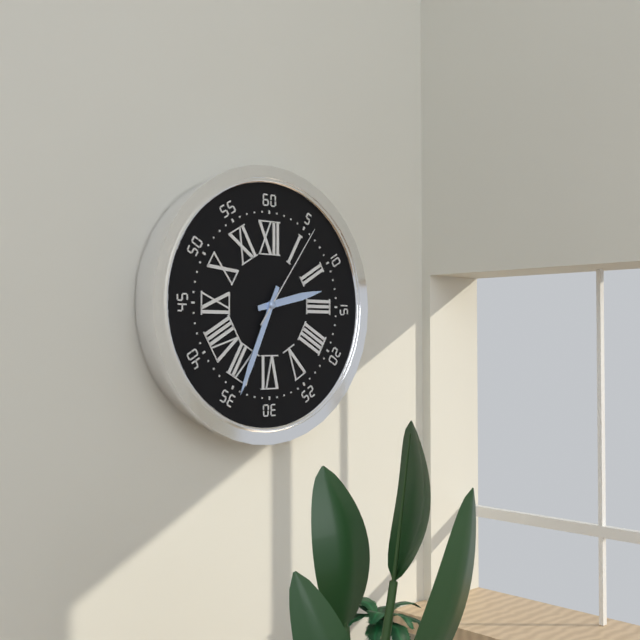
**2:34:06**
